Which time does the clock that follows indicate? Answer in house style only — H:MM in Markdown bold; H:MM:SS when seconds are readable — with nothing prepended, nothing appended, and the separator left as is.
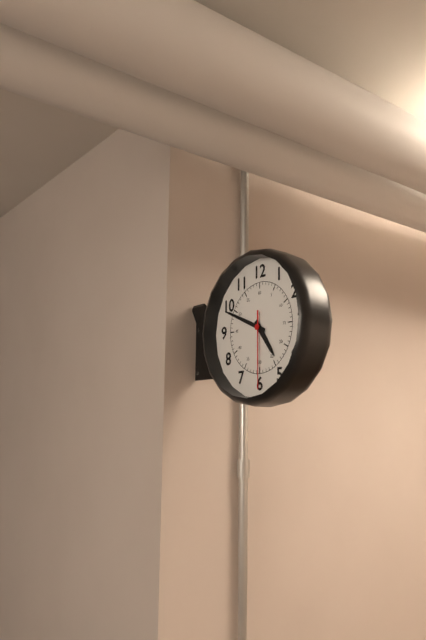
**4:49:30**
